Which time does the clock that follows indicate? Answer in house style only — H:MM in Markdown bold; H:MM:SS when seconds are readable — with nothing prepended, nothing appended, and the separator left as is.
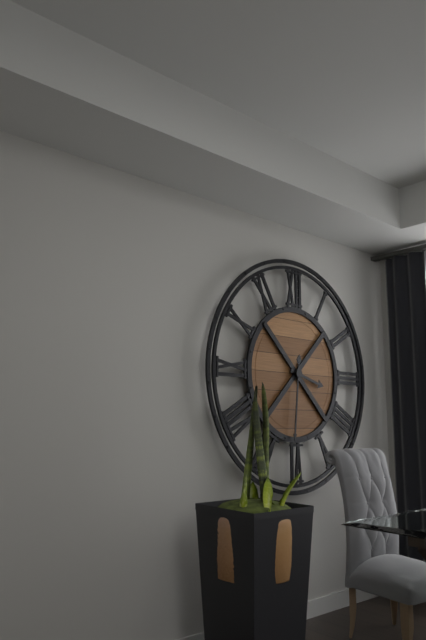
**3:31**
